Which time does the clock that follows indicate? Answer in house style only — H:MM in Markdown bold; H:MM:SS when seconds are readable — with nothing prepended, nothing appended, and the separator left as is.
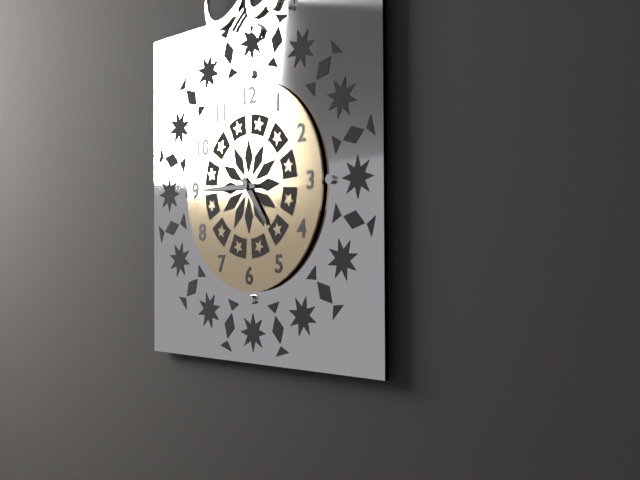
**4:45**
